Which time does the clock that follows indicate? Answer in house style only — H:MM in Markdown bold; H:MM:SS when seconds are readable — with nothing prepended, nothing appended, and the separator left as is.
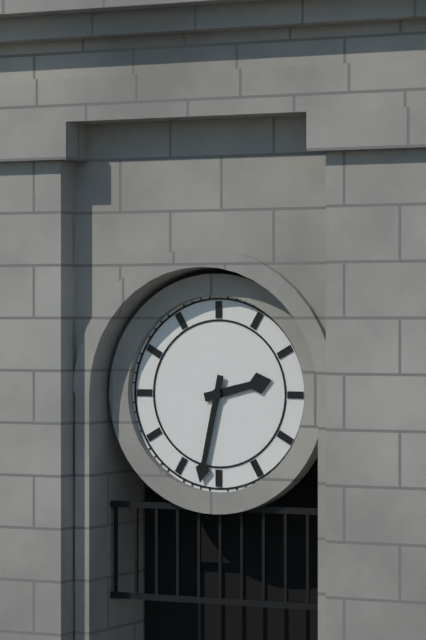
**2:32**
